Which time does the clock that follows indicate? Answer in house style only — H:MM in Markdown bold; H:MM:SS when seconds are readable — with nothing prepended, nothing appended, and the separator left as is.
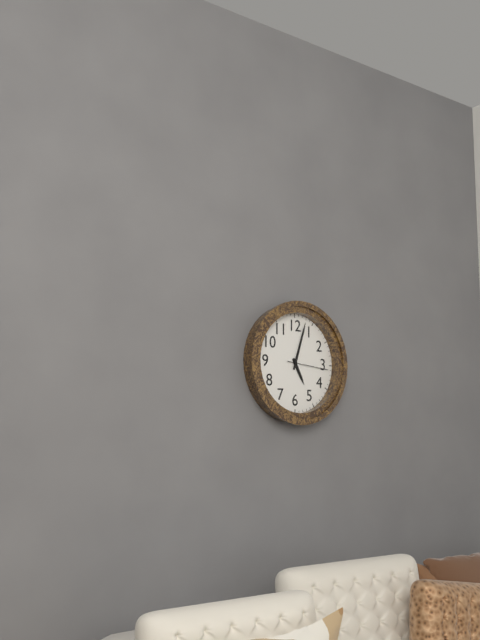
**5:03**
